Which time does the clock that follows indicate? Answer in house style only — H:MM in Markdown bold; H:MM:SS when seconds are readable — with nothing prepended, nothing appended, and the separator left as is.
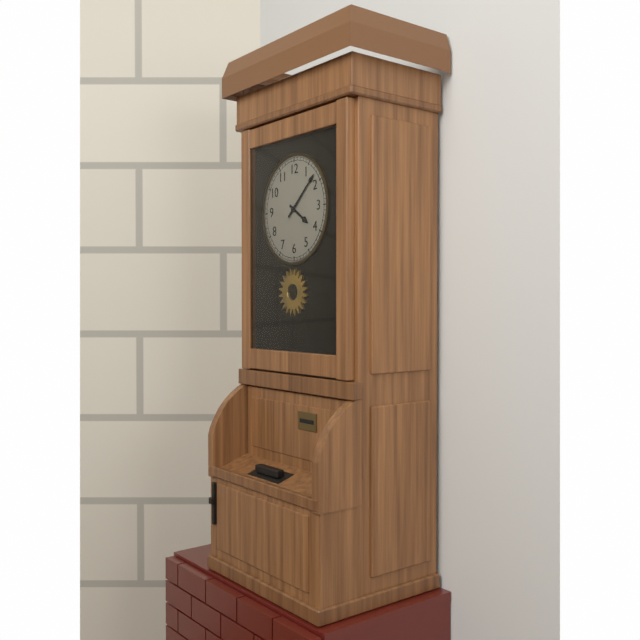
**4:08**
